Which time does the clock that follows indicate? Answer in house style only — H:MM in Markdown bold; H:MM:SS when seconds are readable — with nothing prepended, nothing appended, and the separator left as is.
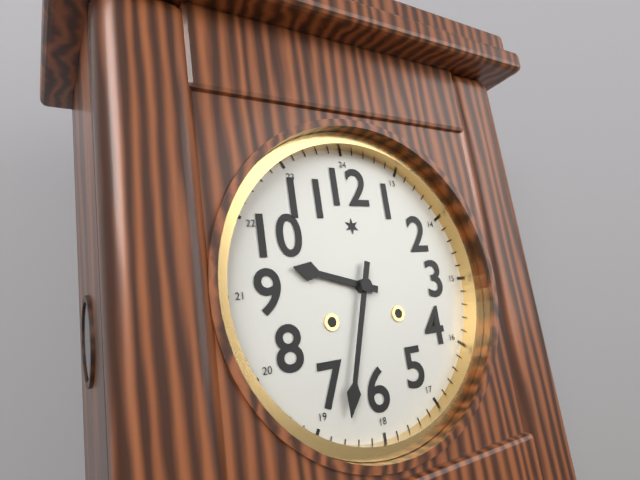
**9:33**
